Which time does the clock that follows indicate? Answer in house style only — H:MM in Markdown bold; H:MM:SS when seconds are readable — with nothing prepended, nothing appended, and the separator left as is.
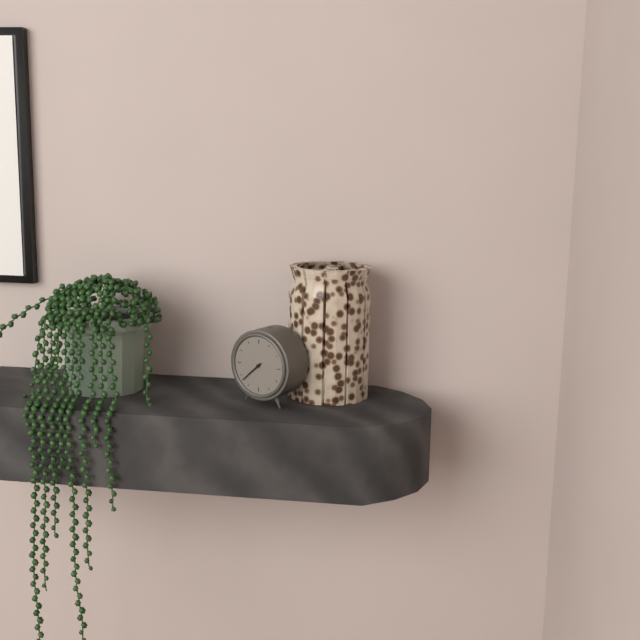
**7:38**
